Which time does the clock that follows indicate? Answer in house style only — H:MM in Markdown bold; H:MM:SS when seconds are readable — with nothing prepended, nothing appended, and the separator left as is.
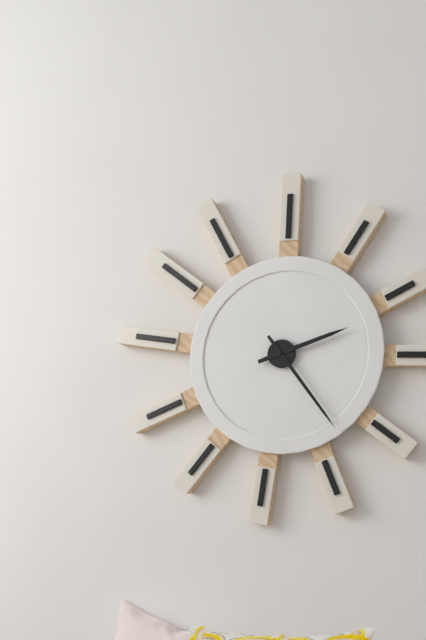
**2:24**
